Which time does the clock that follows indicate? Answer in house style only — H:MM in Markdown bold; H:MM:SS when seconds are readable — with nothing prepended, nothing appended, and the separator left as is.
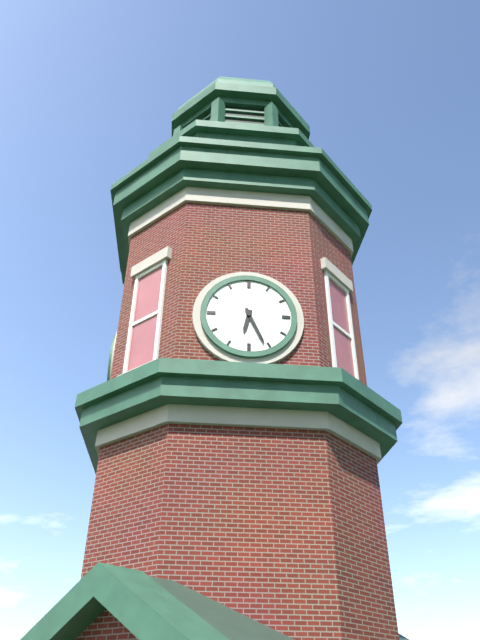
**6:26**
